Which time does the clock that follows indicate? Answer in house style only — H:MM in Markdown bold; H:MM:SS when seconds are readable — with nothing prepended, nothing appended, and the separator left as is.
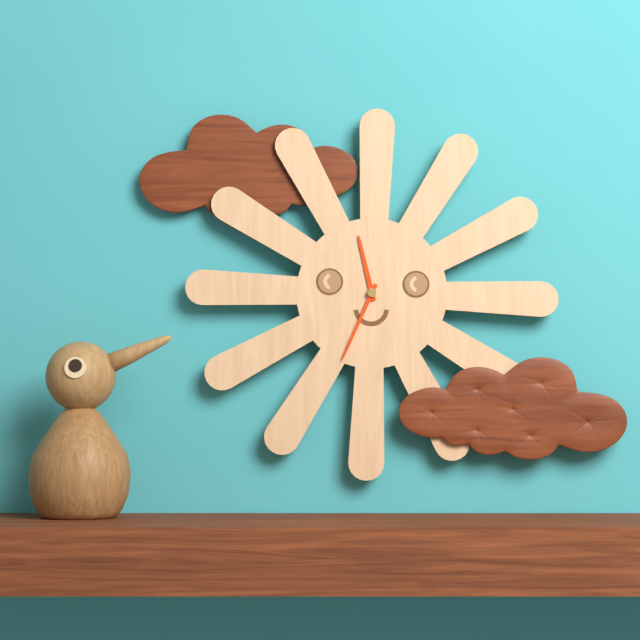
**11:34**
